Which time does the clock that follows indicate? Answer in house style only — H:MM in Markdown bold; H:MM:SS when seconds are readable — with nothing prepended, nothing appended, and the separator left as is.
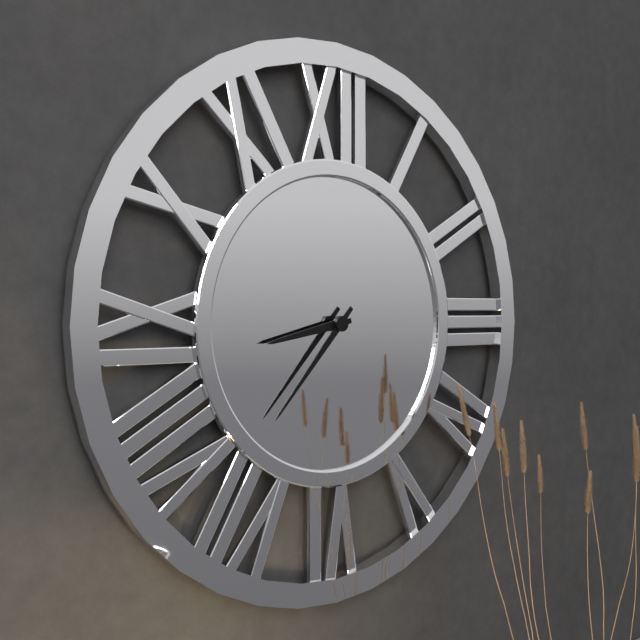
**8:37**
